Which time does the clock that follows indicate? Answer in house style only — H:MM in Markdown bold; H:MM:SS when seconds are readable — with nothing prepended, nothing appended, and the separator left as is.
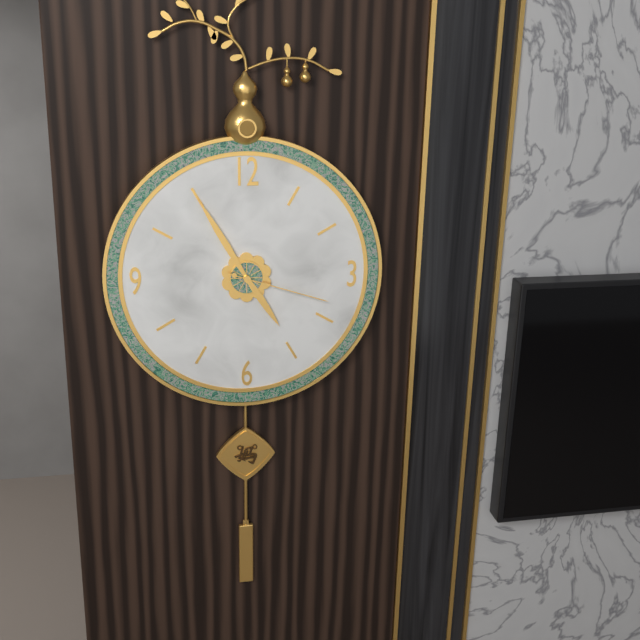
**4:55:18**
